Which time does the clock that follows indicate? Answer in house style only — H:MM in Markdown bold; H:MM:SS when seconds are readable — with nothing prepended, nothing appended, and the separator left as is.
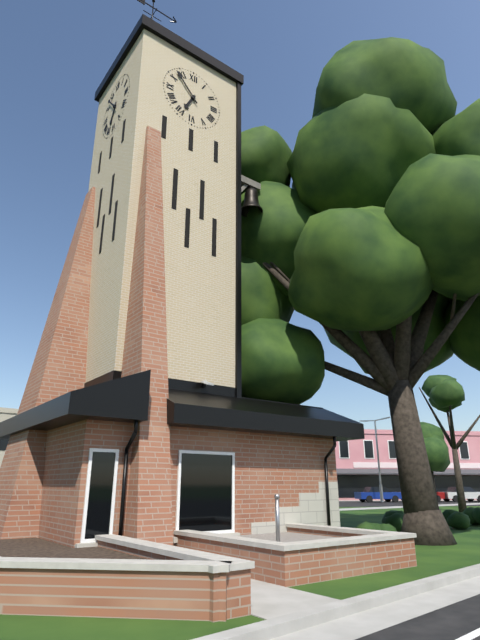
**6:53**
